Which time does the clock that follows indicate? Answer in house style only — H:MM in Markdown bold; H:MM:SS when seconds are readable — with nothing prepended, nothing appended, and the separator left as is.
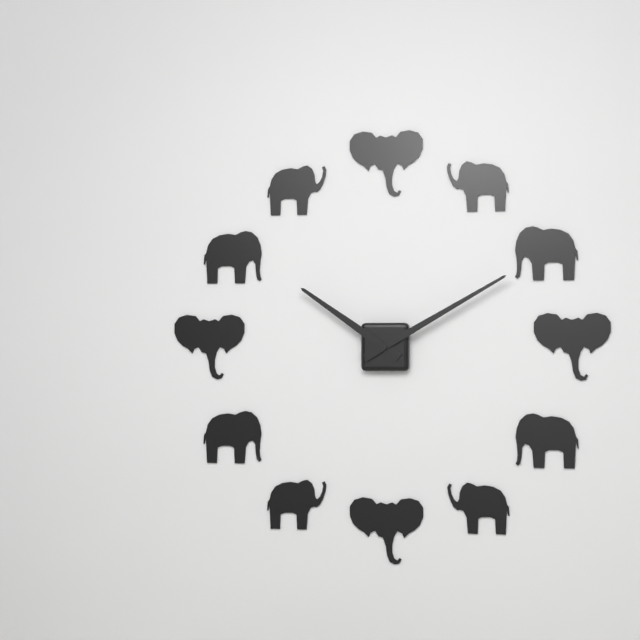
**10:10**
